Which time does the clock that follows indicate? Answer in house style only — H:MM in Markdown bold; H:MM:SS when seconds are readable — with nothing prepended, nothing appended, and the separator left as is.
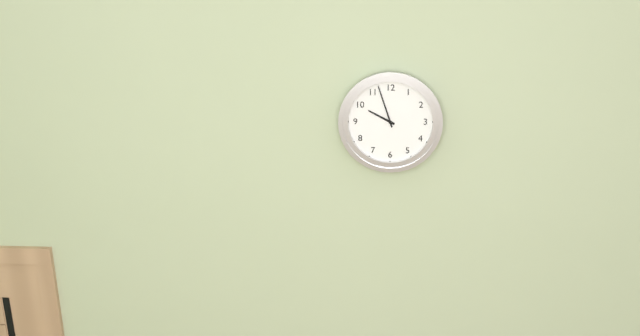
**9:57**
